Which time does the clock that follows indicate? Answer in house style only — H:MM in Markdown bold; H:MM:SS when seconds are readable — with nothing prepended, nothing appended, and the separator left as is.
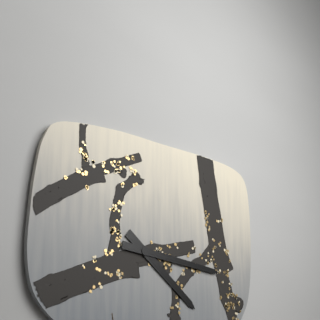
**4:16**
